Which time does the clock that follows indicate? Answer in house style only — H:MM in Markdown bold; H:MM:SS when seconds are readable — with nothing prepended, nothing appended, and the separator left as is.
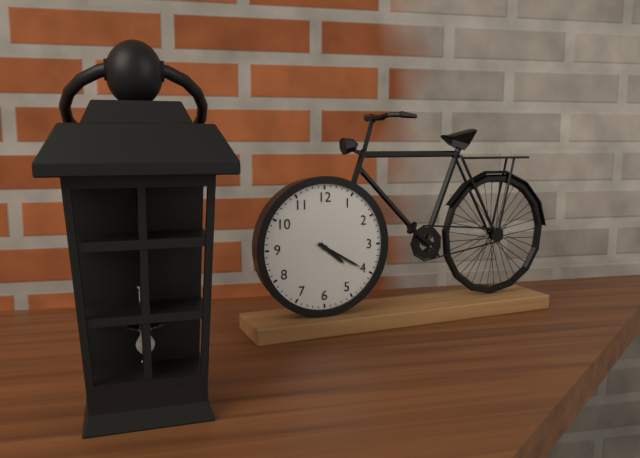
**4:20**
